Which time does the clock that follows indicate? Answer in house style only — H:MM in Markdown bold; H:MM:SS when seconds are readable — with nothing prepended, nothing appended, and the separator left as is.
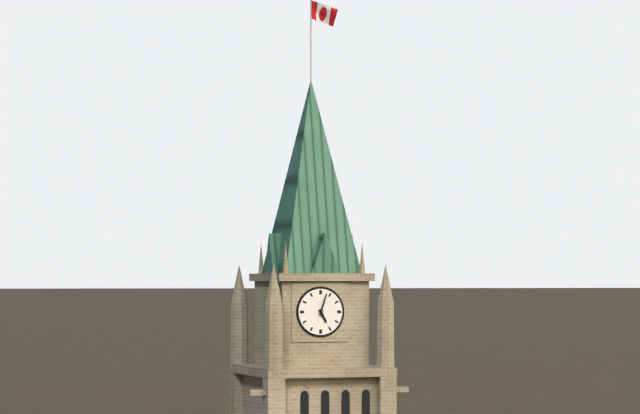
**5:03**
